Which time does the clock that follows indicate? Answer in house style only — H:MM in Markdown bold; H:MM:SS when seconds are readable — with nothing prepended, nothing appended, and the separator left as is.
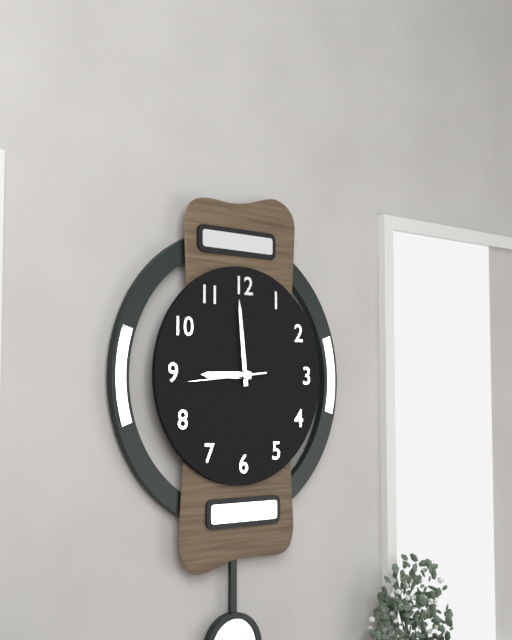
**8:59:44**
